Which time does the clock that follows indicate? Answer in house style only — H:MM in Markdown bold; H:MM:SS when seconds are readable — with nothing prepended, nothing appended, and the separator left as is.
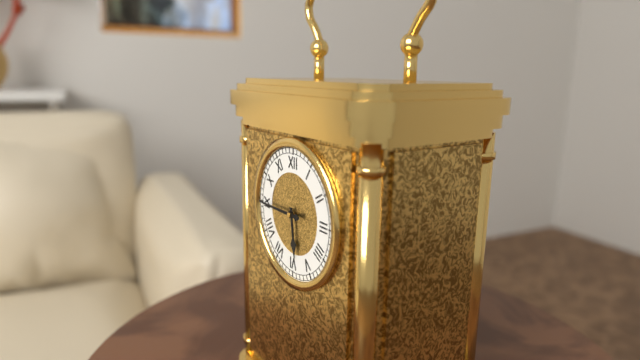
**5:45**
